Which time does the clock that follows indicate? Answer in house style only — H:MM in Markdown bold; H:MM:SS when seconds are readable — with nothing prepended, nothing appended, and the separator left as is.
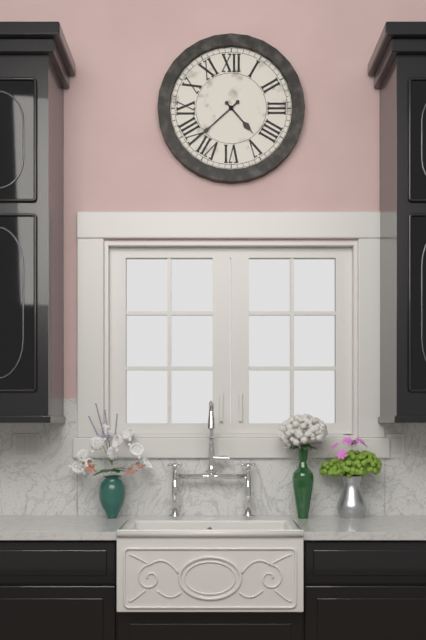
**4:38**
